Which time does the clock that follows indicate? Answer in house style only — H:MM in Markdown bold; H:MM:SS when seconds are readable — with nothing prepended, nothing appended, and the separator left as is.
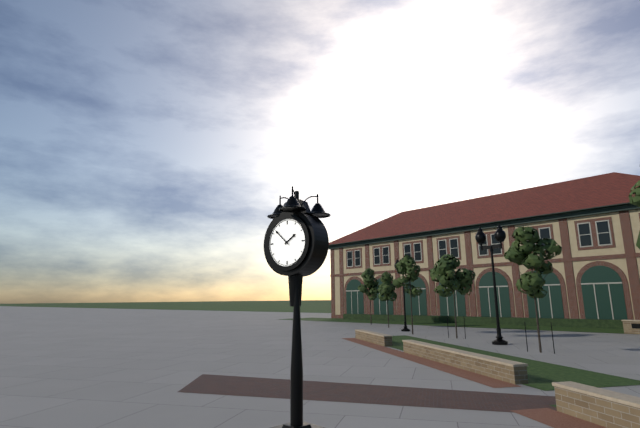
**1:52**
